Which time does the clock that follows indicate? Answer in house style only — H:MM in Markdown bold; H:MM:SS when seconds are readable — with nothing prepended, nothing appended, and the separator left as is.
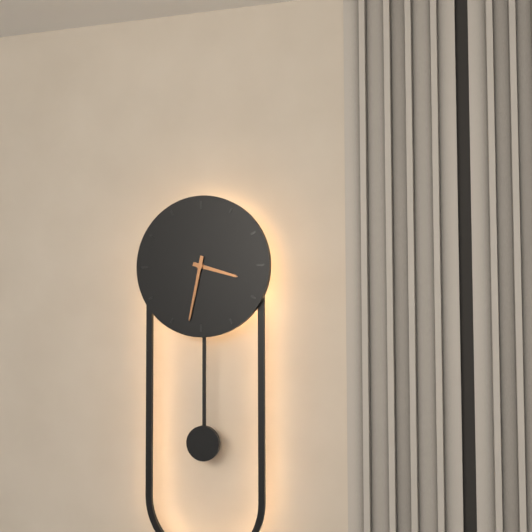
**3:32**
